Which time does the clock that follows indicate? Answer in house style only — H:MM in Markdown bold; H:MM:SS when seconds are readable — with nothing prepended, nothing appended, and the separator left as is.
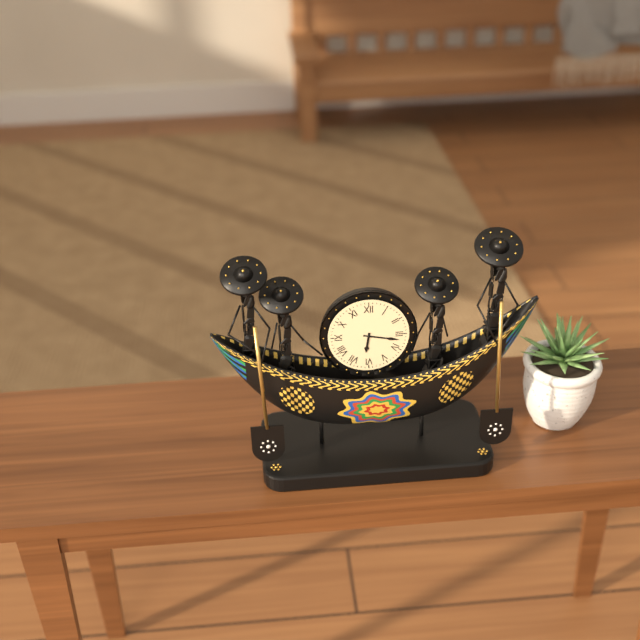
**6:17**
